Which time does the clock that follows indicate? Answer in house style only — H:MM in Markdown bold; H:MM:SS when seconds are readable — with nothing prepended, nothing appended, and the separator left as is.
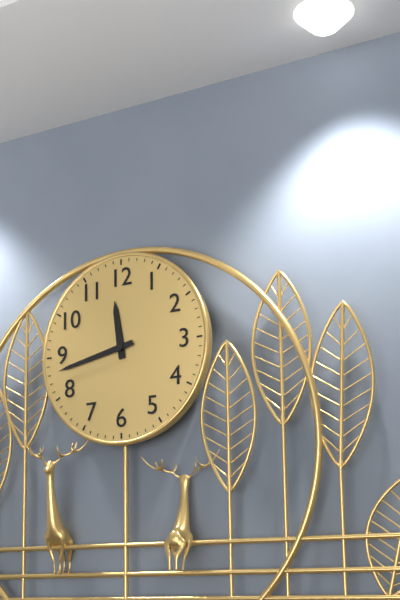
**11:43**
